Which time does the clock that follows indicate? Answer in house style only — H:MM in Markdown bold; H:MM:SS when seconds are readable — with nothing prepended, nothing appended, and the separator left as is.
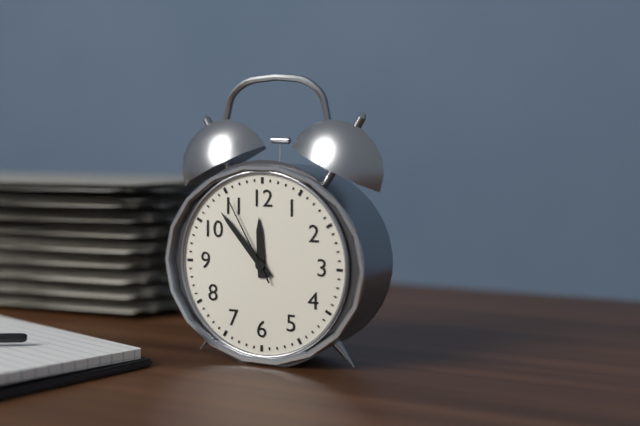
**11:53:55**
